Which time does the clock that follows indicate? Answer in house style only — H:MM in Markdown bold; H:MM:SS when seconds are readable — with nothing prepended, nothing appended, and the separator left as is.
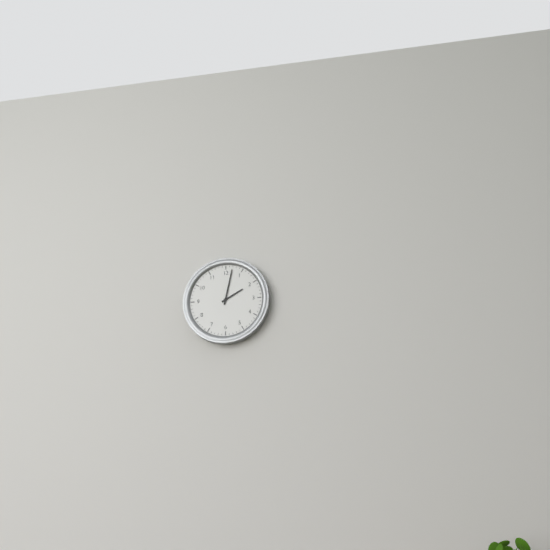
**2:02**
